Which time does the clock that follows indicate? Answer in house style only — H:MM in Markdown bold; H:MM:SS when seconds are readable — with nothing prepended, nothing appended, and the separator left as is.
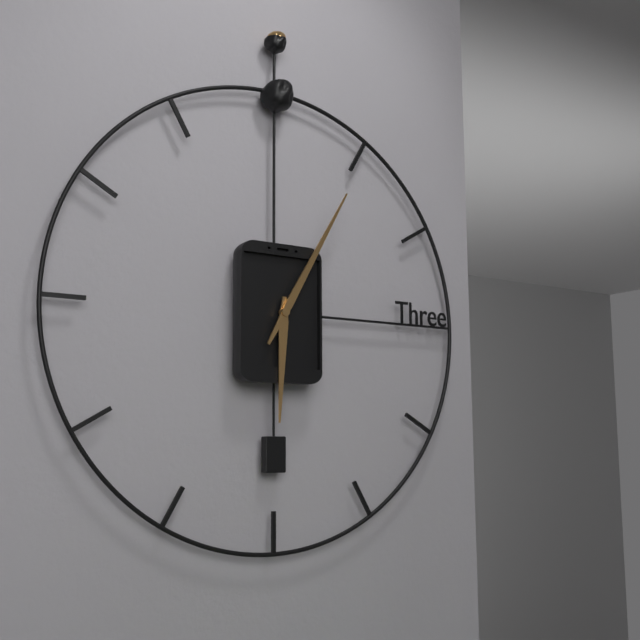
**6:05**
